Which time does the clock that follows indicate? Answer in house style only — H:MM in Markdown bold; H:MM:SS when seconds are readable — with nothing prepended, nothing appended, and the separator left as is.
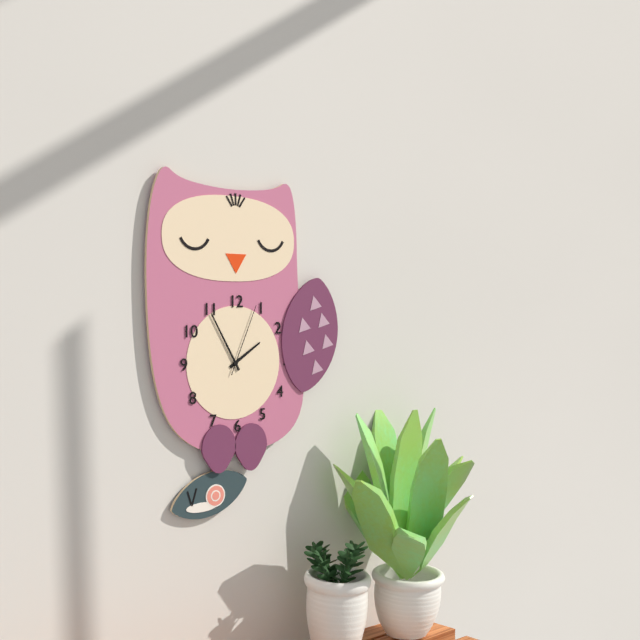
**1:55:04**
